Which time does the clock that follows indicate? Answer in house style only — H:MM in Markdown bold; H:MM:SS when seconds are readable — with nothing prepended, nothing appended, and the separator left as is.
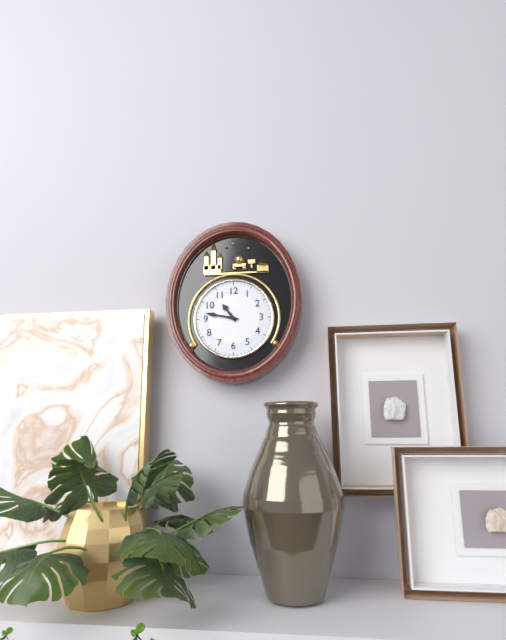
**10:47**
